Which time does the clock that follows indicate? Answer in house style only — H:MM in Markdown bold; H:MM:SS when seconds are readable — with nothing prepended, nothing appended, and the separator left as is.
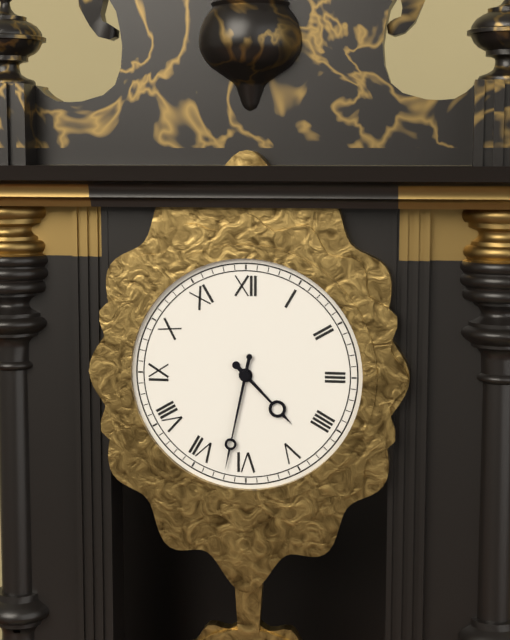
**4:32**
